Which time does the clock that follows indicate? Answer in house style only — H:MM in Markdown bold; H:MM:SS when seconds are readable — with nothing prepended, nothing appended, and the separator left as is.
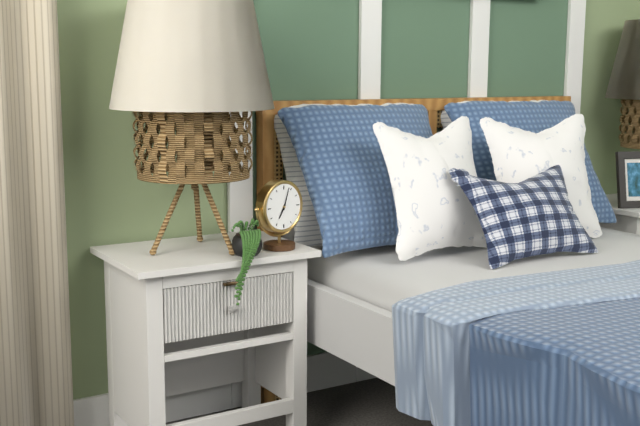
**7:03**
